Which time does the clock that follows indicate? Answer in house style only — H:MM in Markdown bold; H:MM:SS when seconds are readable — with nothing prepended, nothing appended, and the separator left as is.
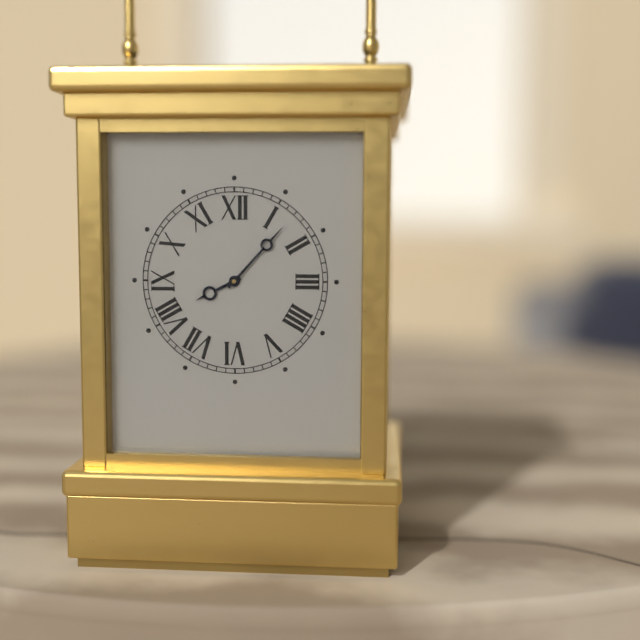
**8:07**
